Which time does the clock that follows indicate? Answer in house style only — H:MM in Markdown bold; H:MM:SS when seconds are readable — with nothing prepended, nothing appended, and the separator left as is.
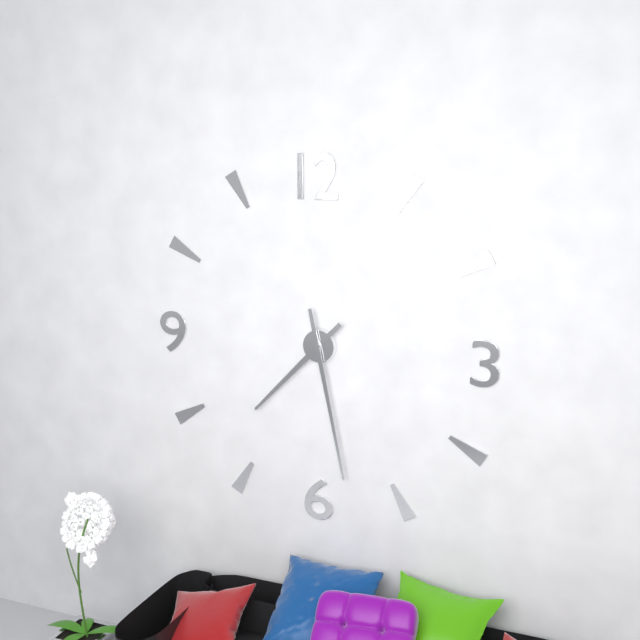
**7:28**
